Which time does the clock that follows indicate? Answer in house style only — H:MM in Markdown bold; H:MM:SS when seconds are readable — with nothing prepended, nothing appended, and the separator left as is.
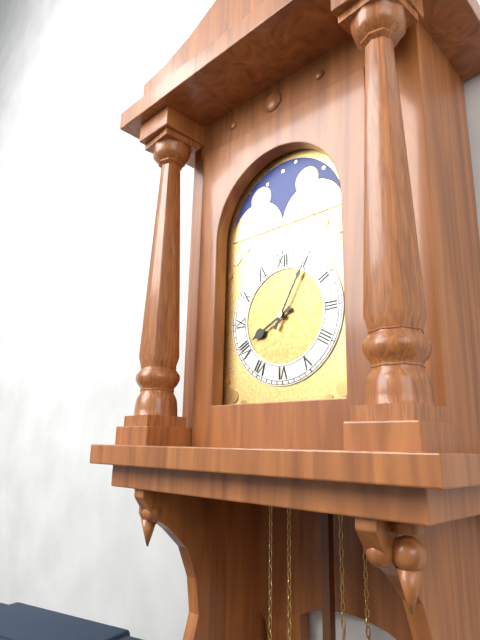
**8:05**
